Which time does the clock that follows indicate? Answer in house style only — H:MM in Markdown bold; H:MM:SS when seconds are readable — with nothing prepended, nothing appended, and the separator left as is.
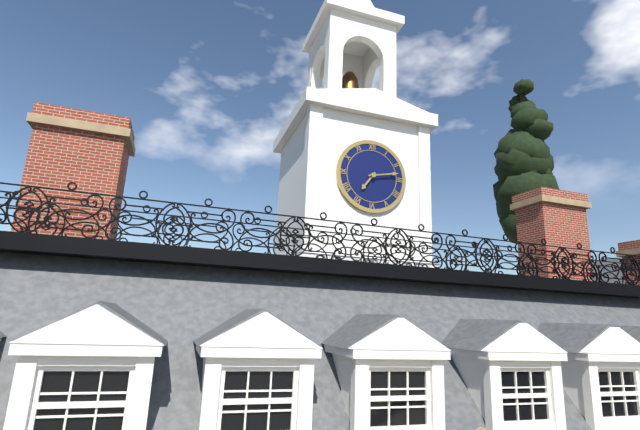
**7:13**
